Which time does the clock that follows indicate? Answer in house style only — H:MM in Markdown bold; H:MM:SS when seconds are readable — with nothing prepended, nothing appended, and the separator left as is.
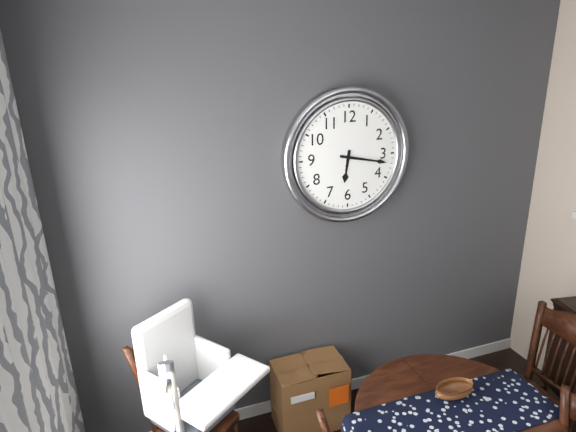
**6:17**
